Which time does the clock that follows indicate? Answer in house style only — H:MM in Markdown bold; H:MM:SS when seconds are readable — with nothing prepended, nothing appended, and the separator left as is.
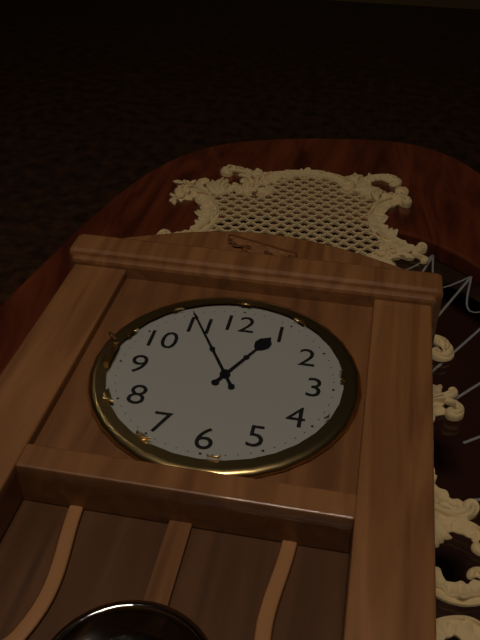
**12:55**
